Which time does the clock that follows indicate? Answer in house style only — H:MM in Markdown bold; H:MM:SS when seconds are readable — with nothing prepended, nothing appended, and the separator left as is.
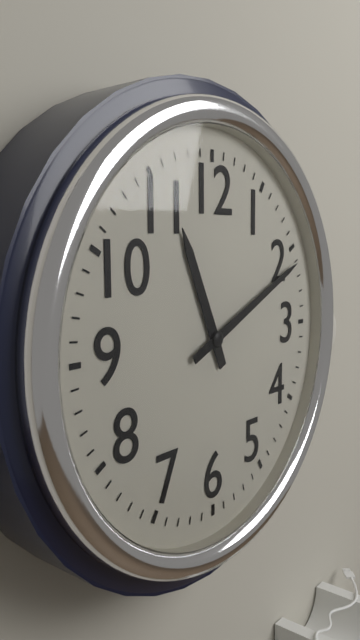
**11:11**
